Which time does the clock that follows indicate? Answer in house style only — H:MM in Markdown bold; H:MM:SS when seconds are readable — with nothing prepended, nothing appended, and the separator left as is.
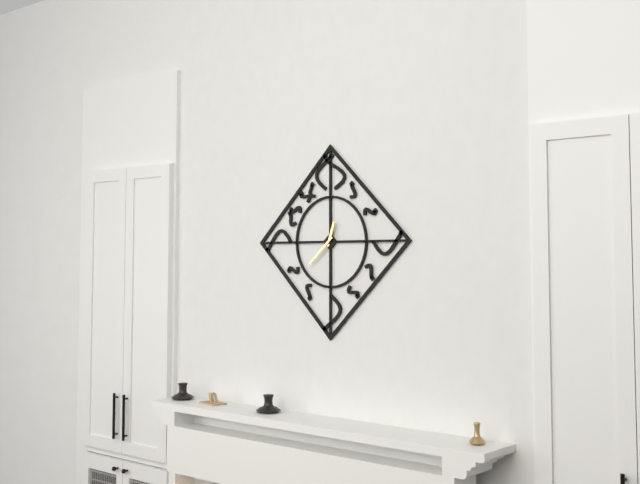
**12:38**
